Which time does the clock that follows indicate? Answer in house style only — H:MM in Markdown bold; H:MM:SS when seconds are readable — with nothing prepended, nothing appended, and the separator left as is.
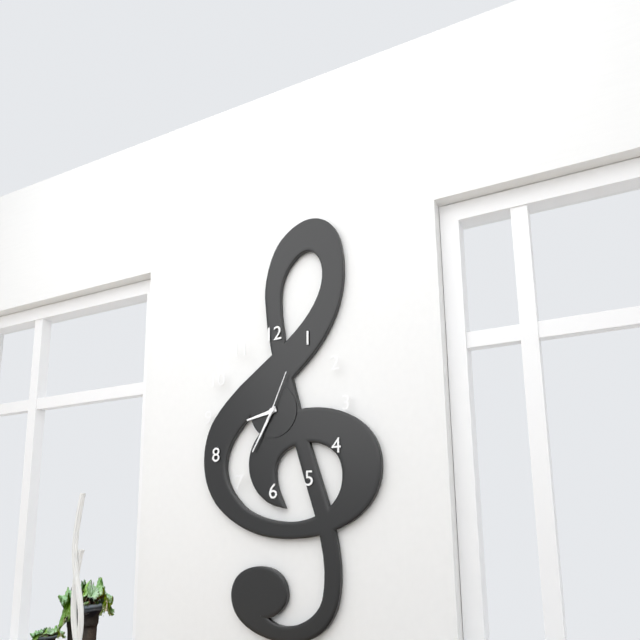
**8:35:04**
